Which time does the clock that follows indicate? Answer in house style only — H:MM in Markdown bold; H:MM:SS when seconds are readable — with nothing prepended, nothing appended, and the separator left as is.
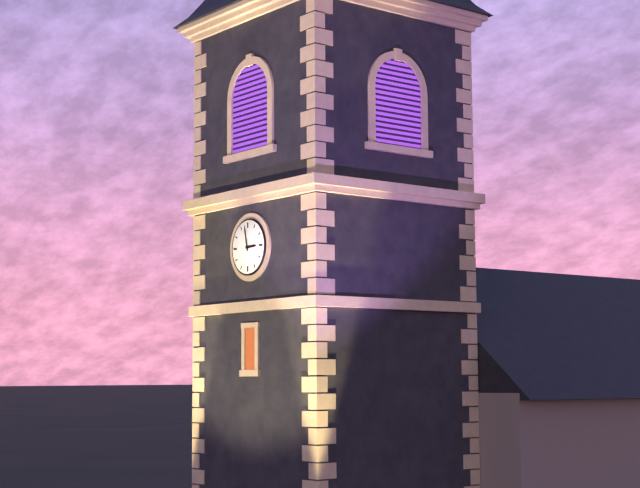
**2:58**
